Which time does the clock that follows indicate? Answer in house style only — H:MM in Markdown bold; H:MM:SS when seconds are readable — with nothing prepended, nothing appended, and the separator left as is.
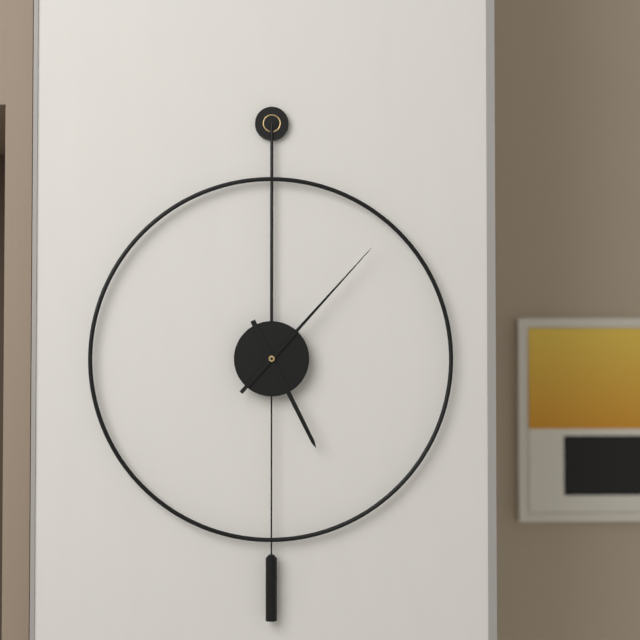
**5:07**
